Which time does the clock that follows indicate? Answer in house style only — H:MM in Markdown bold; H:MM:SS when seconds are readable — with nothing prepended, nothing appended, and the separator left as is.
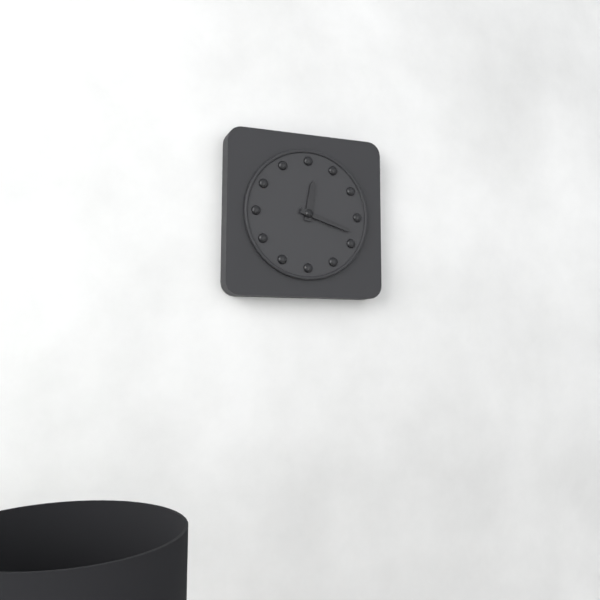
**12:18**
